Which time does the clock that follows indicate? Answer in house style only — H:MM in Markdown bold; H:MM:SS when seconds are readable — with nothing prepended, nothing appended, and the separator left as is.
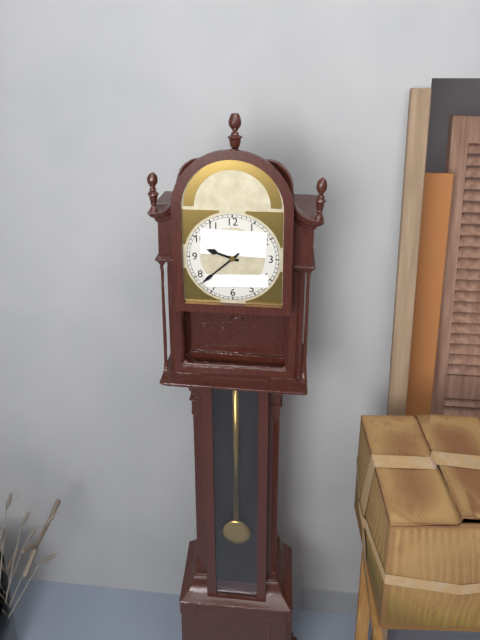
**9:38**
